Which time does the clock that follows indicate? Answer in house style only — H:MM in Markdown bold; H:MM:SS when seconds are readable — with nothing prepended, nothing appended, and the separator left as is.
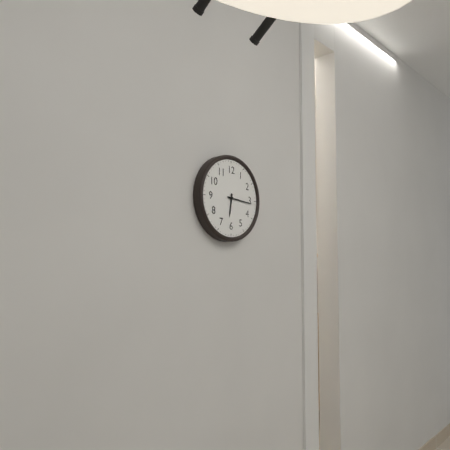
**6:16**
